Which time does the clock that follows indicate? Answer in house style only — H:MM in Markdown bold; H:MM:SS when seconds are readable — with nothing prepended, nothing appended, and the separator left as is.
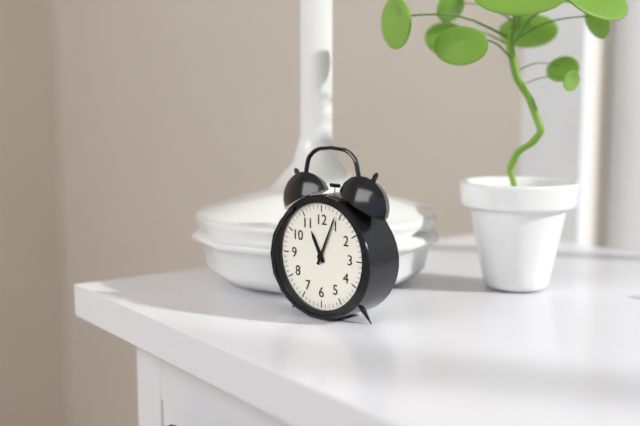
**11:04**
